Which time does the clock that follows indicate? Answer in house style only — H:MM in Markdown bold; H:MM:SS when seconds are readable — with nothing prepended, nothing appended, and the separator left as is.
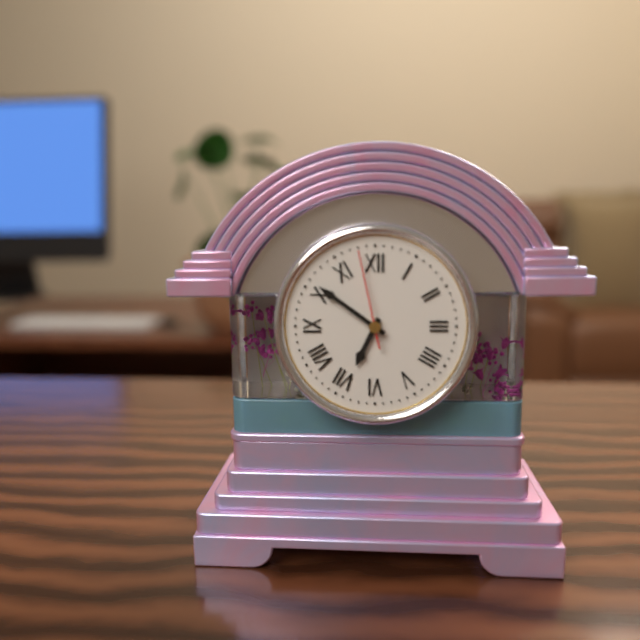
**6:51:58**
